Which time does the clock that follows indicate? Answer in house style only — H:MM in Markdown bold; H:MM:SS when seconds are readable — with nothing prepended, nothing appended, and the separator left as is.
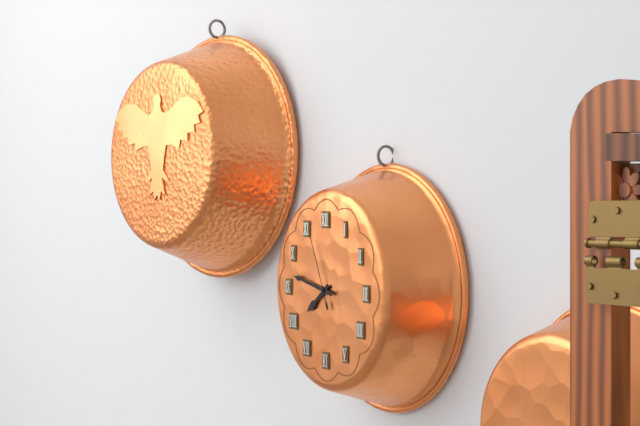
**7:47:56**
